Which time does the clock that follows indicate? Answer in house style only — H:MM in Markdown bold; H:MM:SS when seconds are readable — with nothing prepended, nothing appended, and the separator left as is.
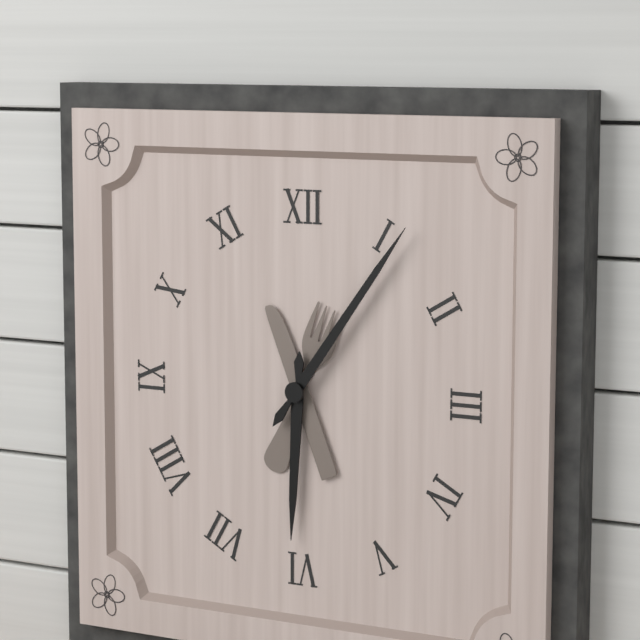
**6:06**
